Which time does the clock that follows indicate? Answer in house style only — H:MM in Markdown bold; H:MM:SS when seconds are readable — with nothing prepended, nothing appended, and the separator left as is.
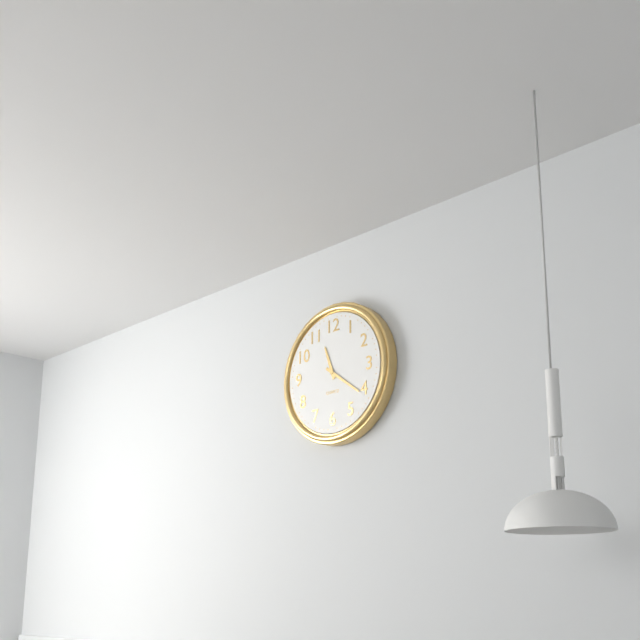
**11:21**
